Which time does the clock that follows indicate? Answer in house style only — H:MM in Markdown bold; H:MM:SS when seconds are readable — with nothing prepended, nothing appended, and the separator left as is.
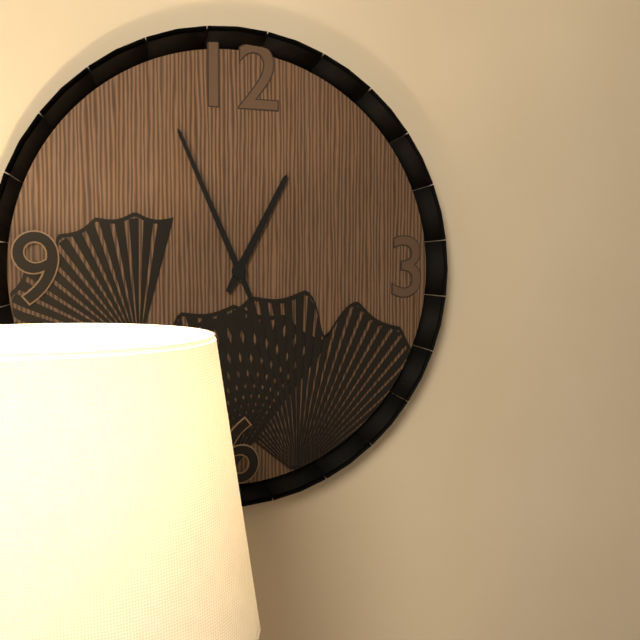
**12:56**
